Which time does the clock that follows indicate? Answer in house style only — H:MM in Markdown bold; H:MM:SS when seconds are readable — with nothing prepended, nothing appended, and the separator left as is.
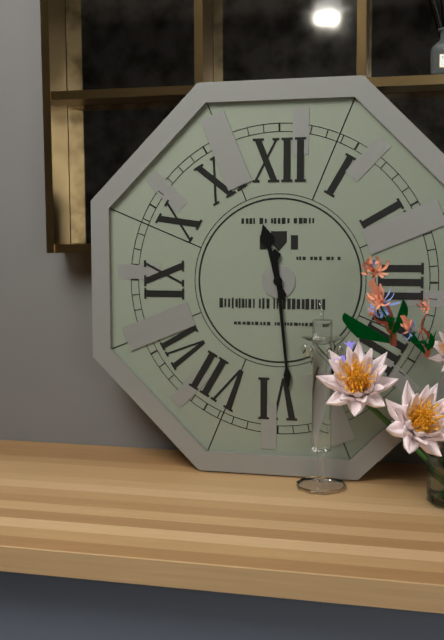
**11:29**
